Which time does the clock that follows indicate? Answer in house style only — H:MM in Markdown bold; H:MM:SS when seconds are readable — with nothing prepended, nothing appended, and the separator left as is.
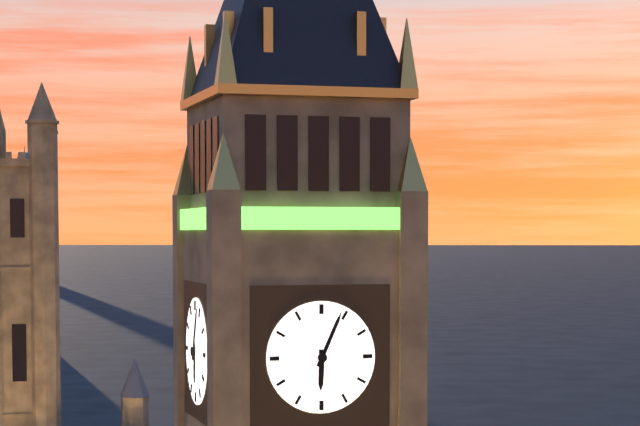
**6:04**
